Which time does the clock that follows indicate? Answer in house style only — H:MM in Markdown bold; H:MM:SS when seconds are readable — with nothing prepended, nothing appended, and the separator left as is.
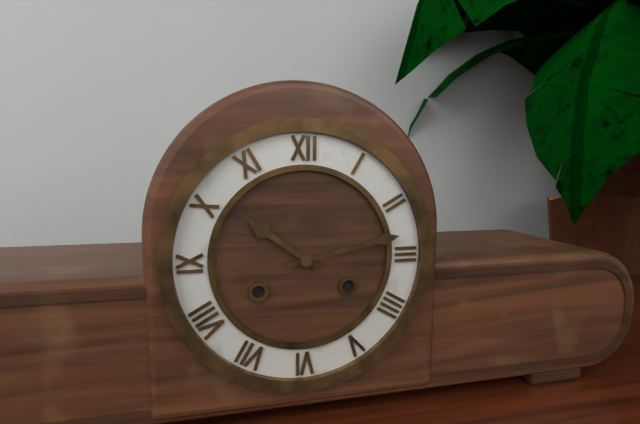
**10:13**
